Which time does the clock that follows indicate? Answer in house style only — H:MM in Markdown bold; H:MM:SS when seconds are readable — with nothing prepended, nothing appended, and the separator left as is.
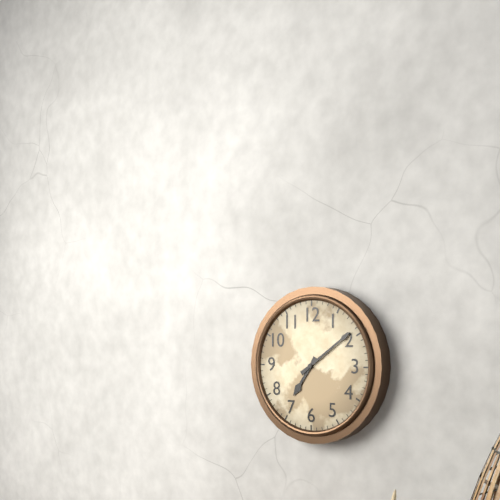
**7:09**
